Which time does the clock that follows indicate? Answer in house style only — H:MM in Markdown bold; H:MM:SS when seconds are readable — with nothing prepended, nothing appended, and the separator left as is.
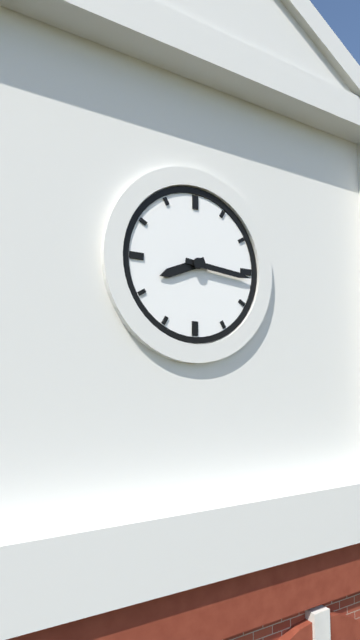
**8:16**
